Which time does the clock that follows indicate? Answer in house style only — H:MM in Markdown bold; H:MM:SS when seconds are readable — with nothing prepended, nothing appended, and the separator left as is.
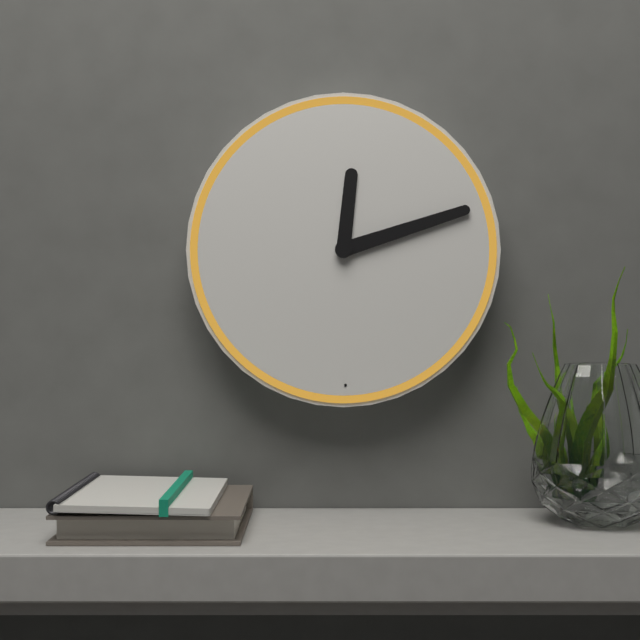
**12:12**
